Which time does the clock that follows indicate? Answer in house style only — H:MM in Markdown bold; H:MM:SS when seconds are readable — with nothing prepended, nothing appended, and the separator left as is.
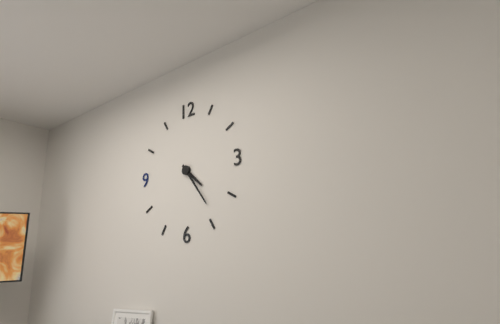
**4:24**
